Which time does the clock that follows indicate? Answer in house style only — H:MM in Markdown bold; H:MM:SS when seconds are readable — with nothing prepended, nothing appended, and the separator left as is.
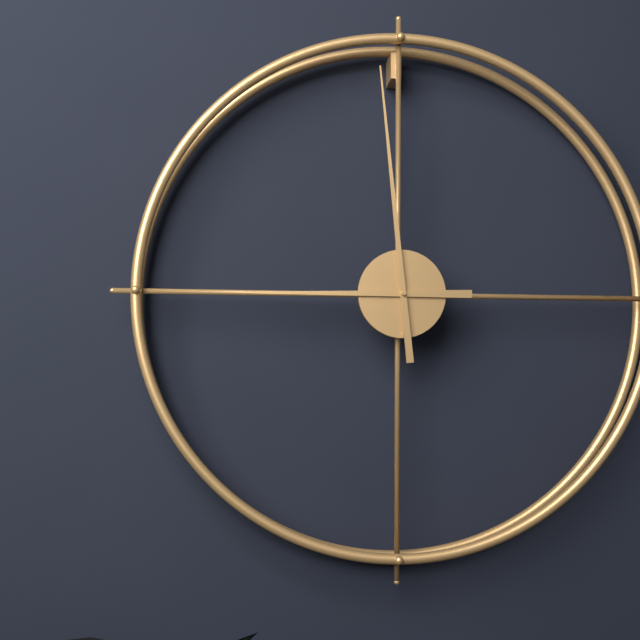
**8:59**
